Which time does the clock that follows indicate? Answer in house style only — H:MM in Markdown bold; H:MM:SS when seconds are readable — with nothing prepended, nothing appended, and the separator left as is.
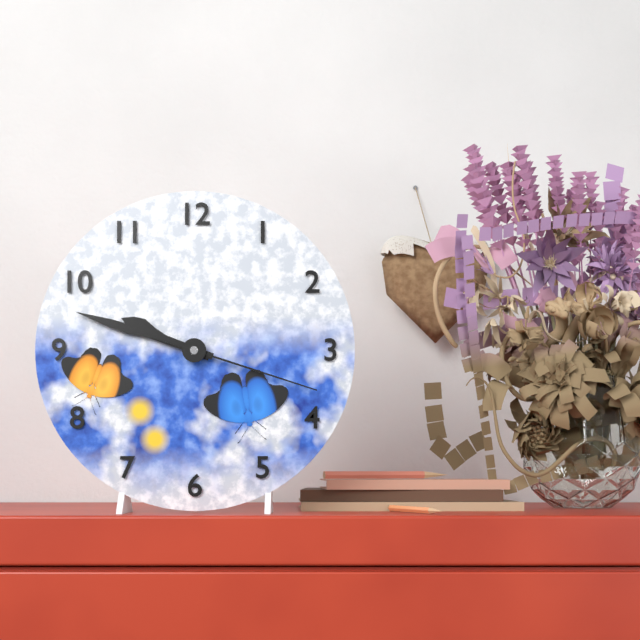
**9:48:18**
